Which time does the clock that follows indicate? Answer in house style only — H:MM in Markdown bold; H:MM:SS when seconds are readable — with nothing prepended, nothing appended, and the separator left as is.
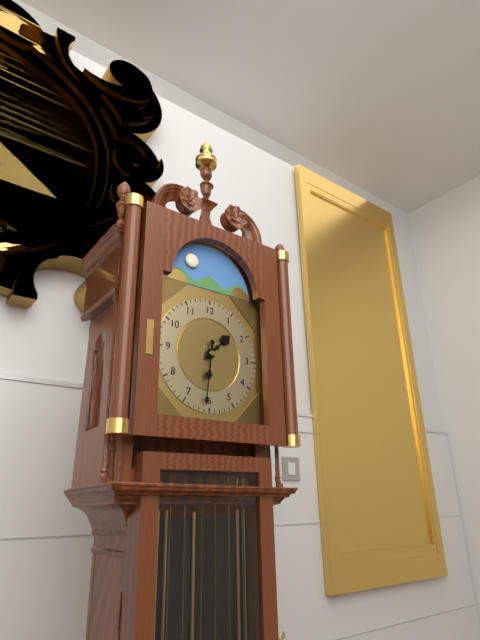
**1:31**
